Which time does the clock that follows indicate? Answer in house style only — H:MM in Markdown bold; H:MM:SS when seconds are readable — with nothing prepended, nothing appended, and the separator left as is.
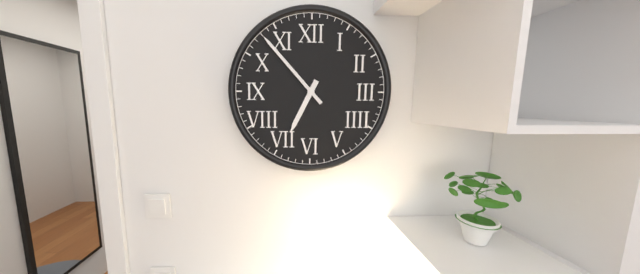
**6:53**
